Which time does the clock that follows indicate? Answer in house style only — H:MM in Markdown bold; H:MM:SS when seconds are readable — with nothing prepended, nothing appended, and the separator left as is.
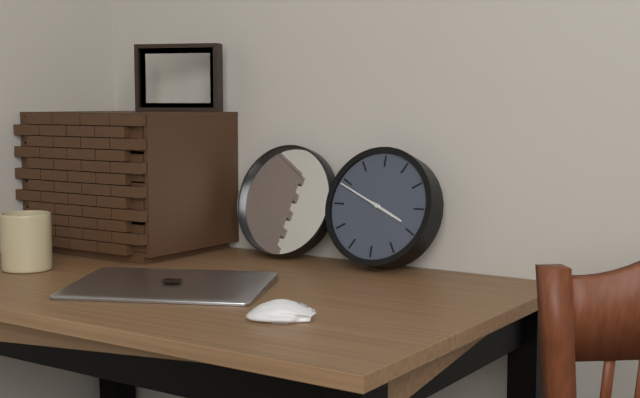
**3:49**
